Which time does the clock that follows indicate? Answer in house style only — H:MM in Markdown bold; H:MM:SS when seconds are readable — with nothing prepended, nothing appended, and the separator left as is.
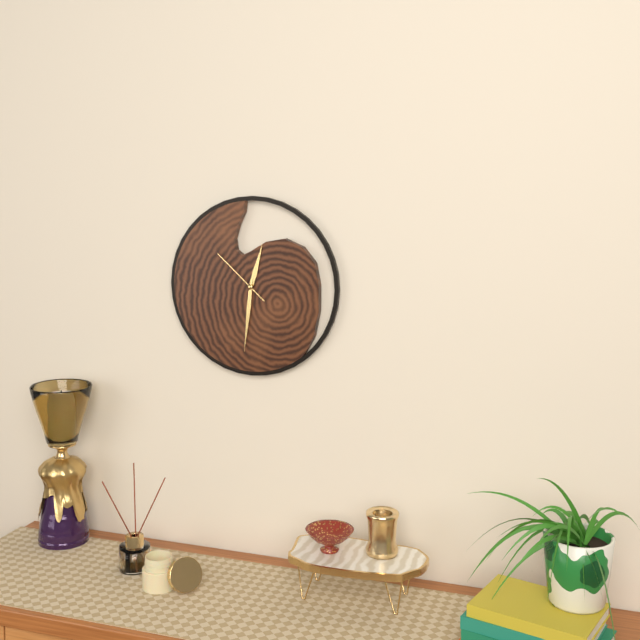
**12:31:52**
